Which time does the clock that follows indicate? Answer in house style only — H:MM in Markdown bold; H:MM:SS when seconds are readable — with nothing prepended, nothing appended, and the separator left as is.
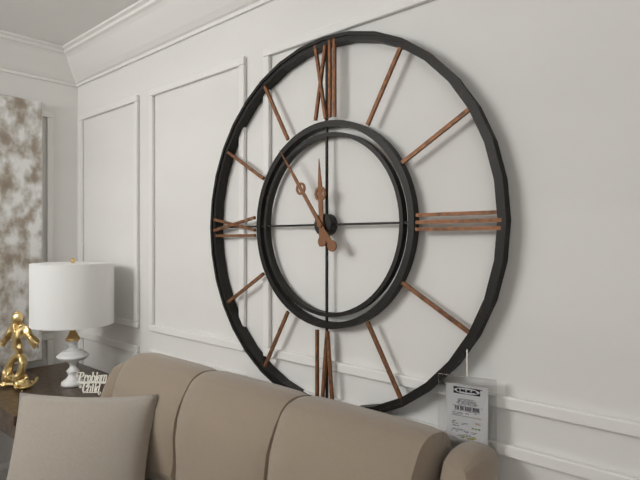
**11:54**
